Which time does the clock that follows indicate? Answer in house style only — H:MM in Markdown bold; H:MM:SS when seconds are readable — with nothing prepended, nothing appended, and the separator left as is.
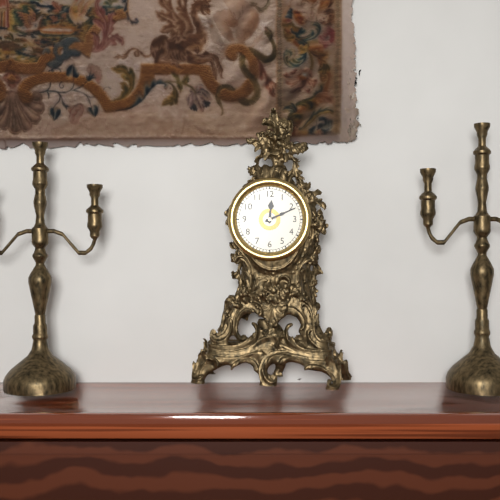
**12:11**
